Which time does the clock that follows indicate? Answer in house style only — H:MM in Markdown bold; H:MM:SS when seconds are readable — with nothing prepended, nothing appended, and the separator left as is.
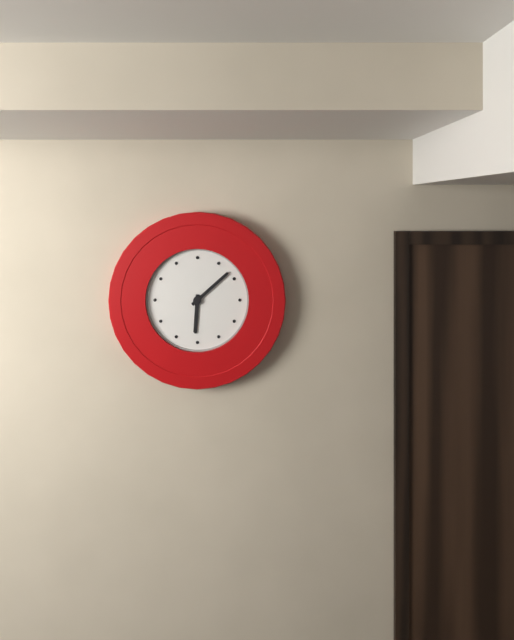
**6:08**
